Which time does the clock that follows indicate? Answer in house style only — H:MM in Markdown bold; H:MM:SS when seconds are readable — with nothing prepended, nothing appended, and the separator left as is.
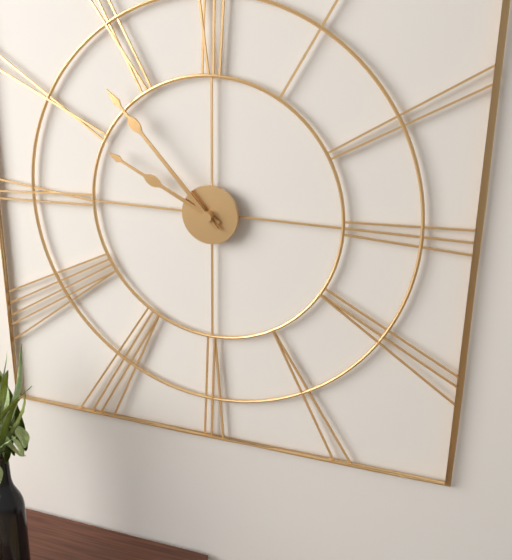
**9:53**
